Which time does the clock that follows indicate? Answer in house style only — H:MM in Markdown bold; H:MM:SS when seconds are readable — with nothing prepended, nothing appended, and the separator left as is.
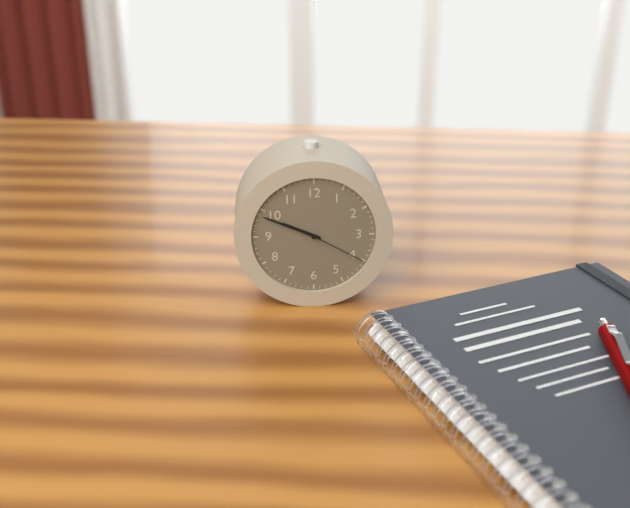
**9:49:20**
